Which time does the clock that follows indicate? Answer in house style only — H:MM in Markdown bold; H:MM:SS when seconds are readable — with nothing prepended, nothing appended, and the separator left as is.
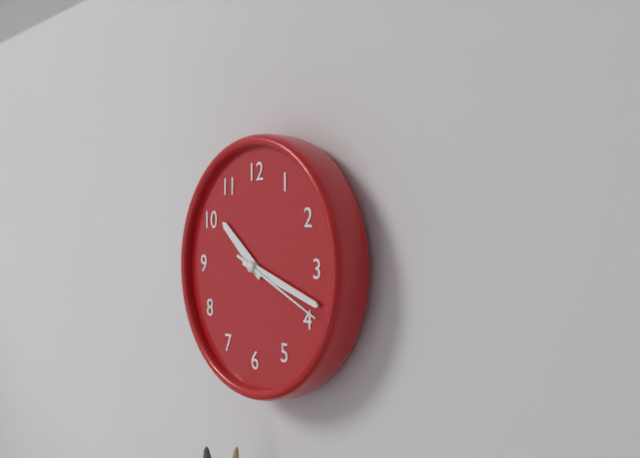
**10:18:19**
